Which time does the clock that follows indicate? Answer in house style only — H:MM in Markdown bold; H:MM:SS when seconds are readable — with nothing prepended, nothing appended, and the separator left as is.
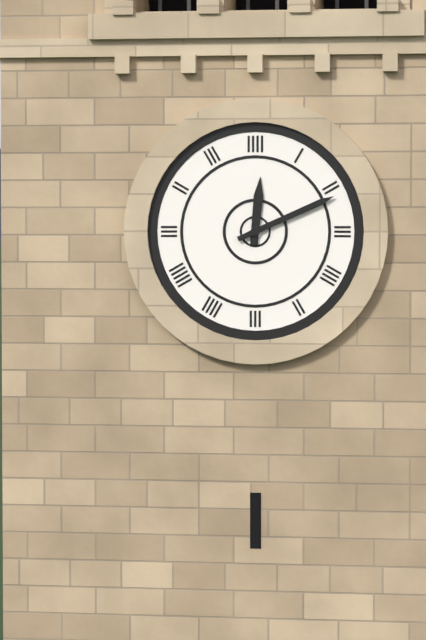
**12:11**
